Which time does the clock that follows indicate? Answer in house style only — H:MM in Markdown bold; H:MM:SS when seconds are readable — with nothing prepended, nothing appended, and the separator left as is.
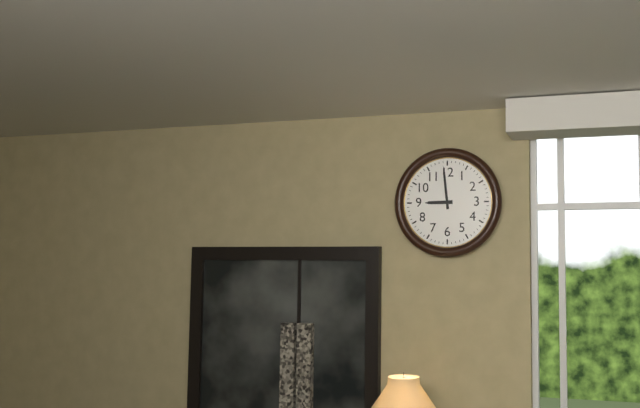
**8:59**
